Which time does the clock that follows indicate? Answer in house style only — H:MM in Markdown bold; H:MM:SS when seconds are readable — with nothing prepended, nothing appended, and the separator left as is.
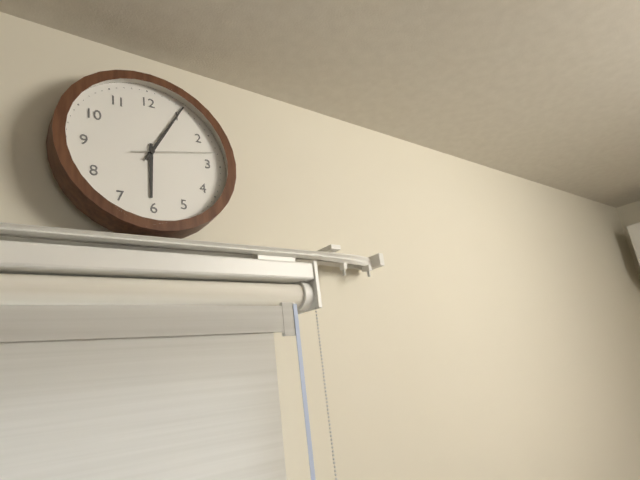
**6:05:13**
